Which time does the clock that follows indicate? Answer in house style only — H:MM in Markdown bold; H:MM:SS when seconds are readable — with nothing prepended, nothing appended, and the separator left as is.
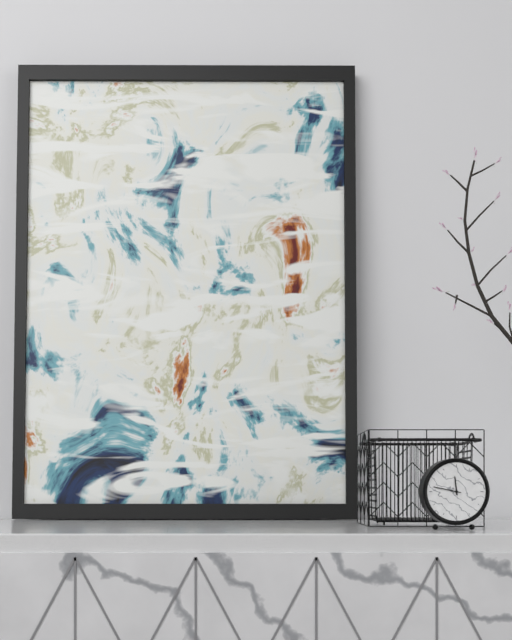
**11:47**
